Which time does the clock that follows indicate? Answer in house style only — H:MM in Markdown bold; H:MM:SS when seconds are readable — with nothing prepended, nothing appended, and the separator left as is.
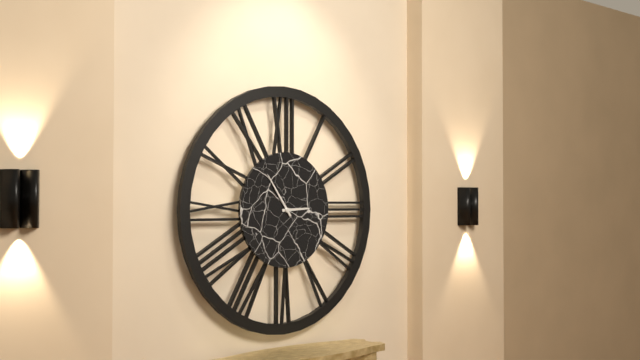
**2:54**
